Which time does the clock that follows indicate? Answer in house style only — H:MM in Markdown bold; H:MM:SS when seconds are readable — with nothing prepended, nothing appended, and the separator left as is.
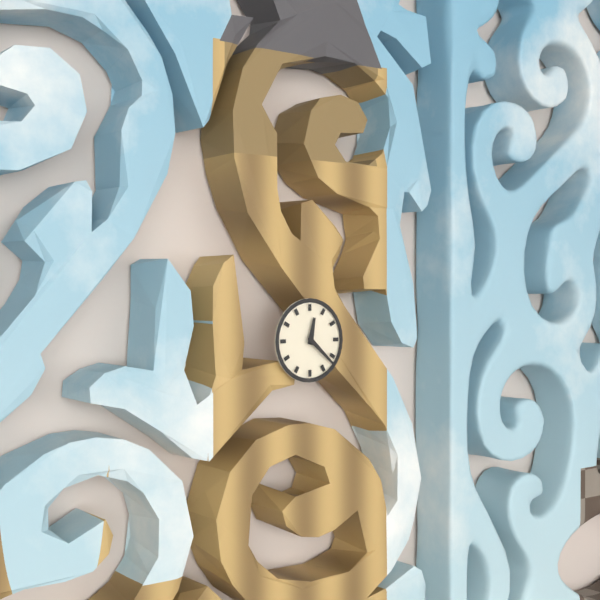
**12:22**
